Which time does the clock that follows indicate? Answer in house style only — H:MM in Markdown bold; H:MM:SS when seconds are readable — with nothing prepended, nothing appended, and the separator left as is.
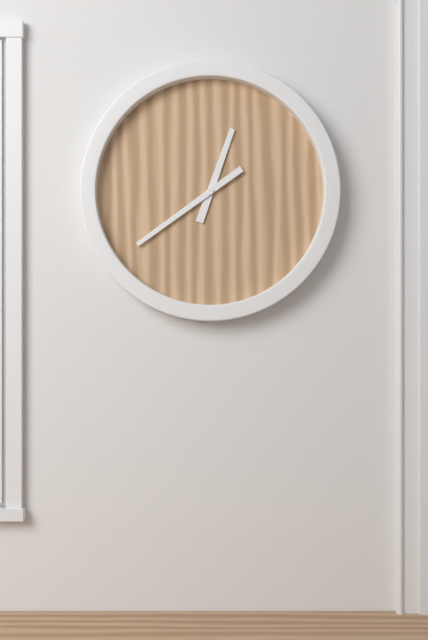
**12:39**
